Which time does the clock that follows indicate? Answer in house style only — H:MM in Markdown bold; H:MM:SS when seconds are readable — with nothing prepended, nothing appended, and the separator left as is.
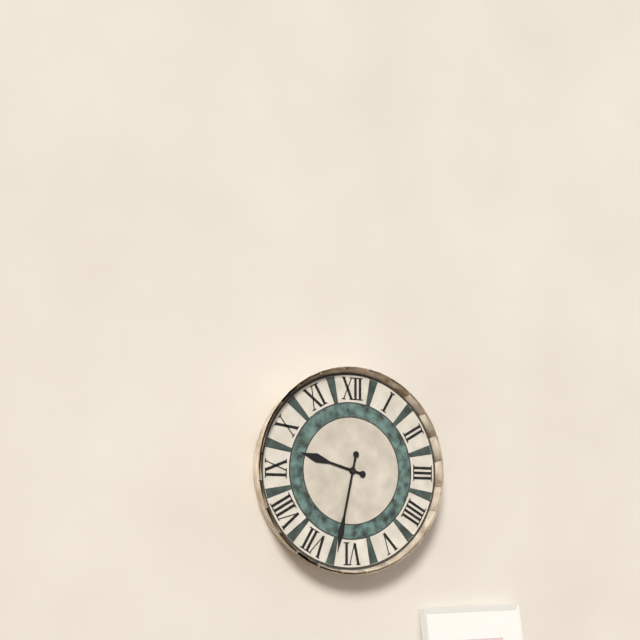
**9:32**
